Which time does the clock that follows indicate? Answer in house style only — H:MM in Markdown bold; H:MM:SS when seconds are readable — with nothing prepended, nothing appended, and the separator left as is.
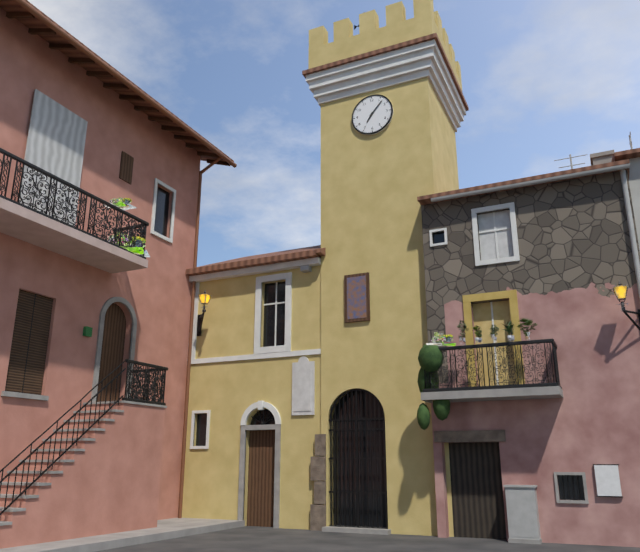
**7:07**
